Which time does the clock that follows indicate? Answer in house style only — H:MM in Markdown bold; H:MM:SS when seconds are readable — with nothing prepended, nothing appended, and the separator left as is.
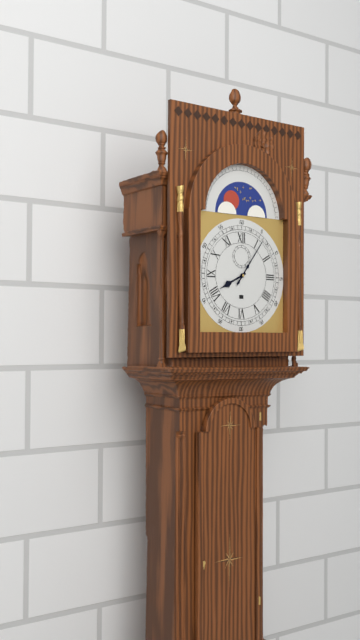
**8:06**
